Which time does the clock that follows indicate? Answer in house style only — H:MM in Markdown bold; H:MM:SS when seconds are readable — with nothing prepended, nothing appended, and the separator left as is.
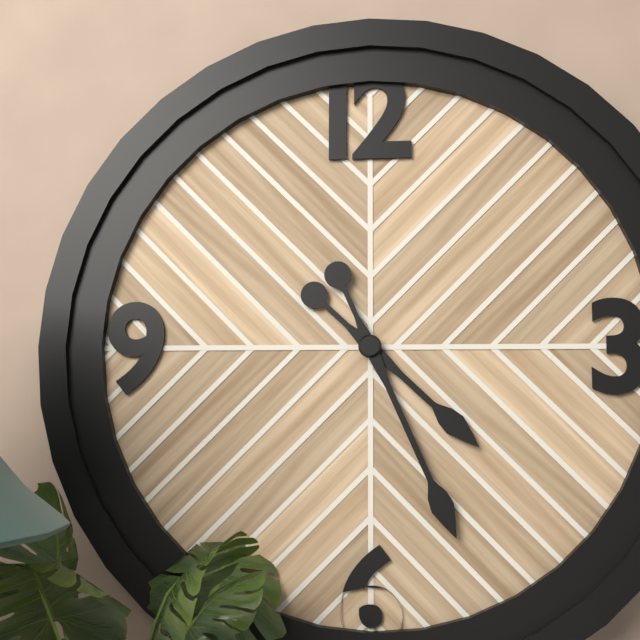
**4:26**
